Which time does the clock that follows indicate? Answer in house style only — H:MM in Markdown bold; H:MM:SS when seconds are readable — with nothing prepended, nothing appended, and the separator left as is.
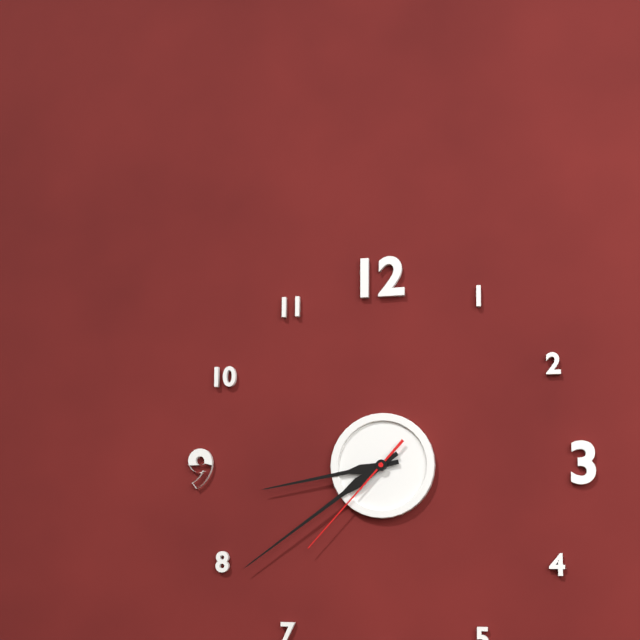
**8:39:37**
